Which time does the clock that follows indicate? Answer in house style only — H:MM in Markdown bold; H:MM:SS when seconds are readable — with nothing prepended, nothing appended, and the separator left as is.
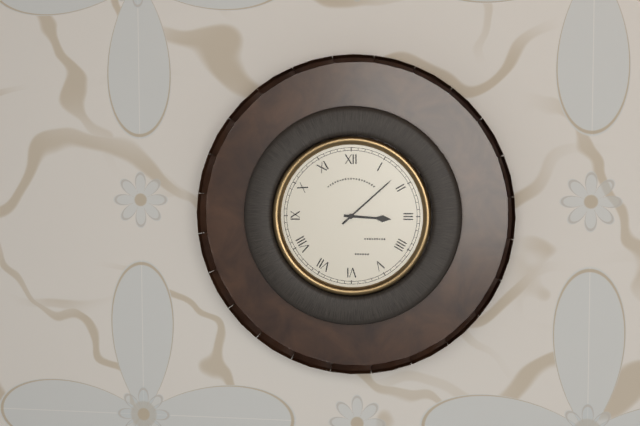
**3:08**
